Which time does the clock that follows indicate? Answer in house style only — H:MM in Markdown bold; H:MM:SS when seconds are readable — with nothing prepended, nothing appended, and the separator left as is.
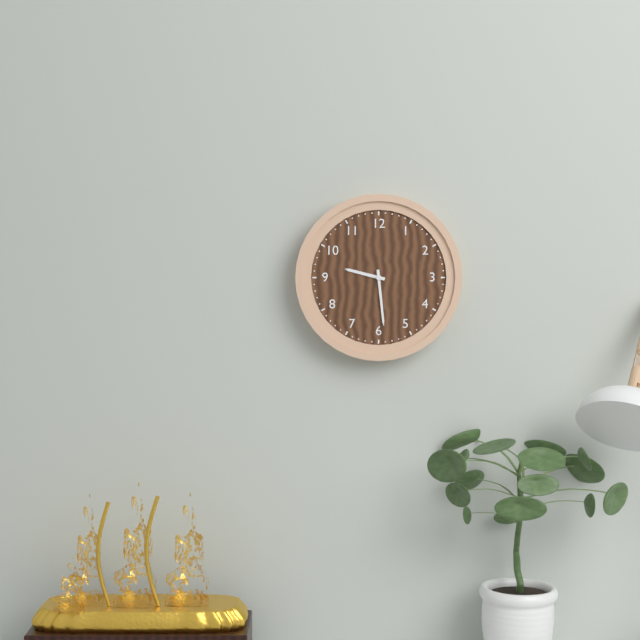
**9:29**
